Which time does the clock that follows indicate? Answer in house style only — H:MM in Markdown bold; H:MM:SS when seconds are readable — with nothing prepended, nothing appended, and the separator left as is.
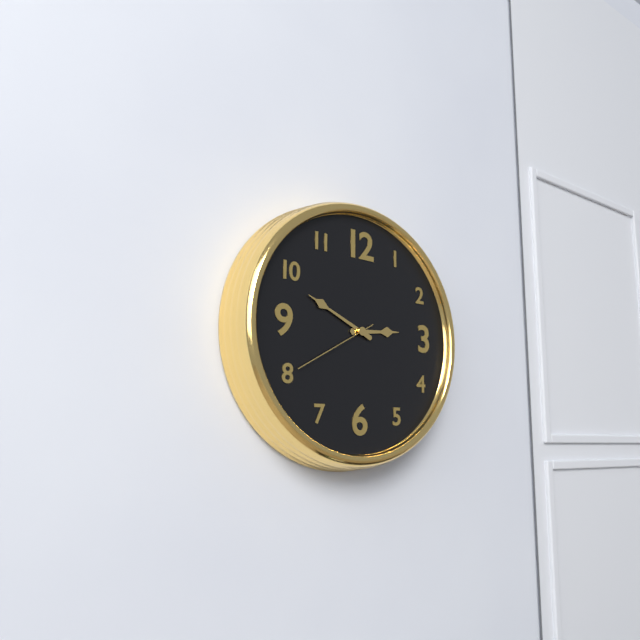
**2:49:40**
